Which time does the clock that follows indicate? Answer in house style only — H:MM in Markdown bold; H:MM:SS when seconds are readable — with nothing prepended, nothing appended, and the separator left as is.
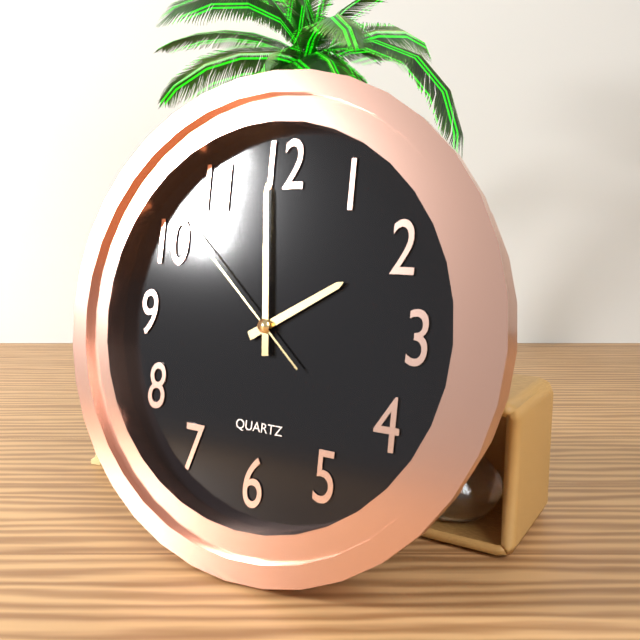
**1:59:52**
